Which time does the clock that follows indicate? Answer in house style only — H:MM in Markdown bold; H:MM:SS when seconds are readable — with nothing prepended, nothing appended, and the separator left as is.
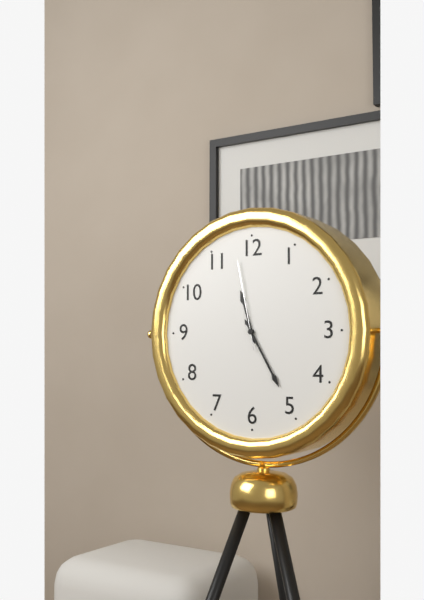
**11:25:58**
